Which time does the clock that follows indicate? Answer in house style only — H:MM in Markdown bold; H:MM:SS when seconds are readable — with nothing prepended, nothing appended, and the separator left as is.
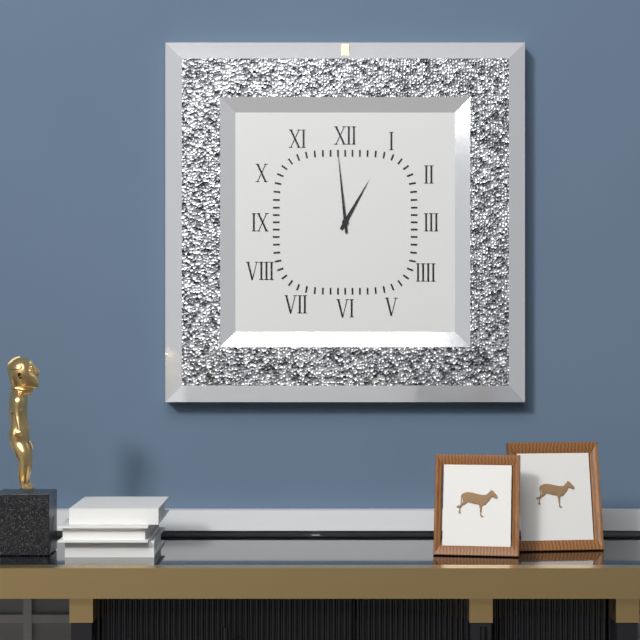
**12:59**
